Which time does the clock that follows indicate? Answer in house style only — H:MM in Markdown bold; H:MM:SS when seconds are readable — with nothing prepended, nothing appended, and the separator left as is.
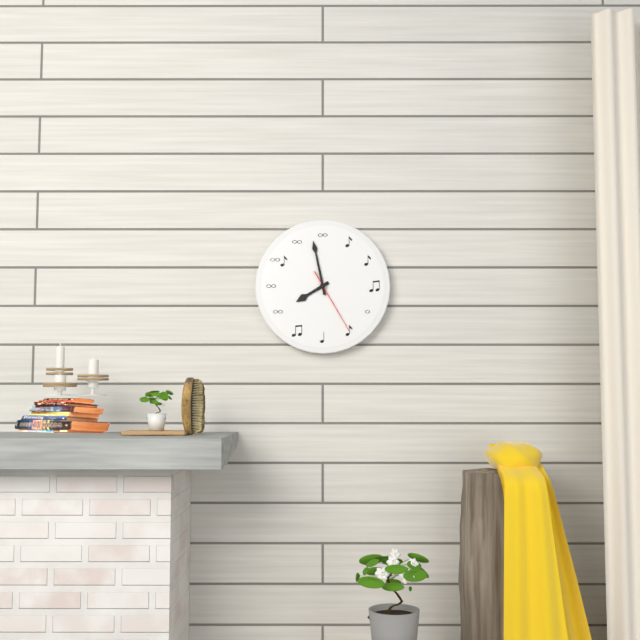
**7:58:25**
